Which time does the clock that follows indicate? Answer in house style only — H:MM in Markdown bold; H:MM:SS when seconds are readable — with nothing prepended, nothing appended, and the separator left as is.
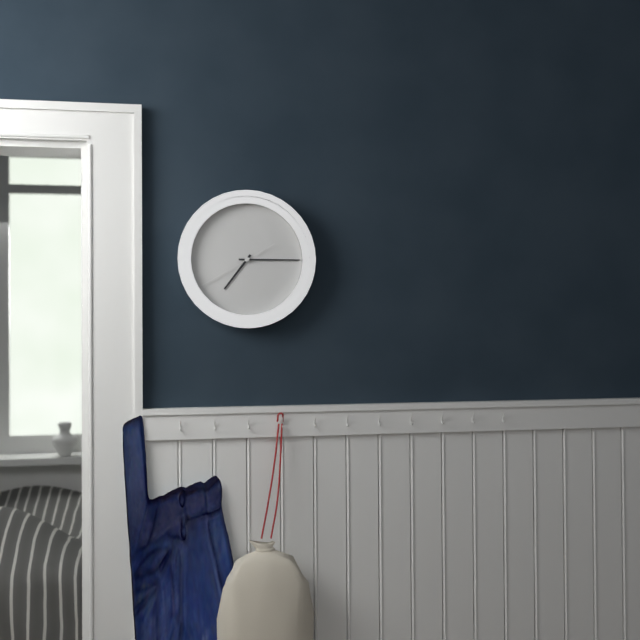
**7:15:40**
